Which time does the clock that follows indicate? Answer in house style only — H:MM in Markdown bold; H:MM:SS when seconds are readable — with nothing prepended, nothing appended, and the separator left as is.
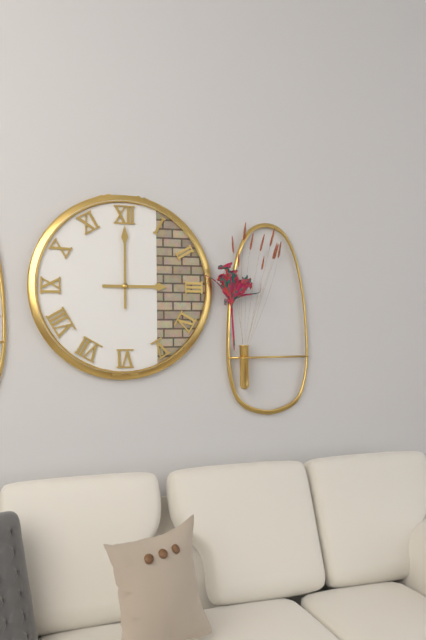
**3:00**
